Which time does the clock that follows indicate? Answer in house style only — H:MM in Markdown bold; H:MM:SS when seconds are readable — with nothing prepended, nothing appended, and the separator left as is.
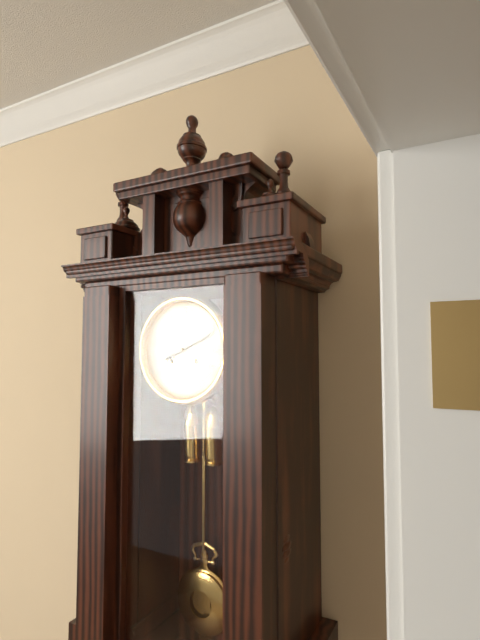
**8:11**
